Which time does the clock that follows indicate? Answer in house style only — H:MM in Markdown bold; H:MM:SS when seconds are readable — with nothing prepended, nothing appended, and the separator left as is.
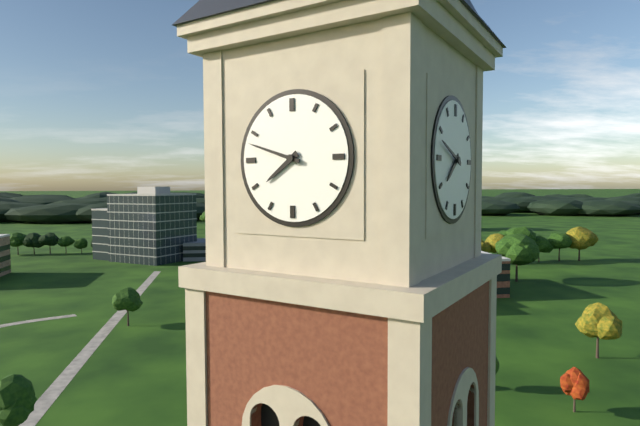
**7:48**
